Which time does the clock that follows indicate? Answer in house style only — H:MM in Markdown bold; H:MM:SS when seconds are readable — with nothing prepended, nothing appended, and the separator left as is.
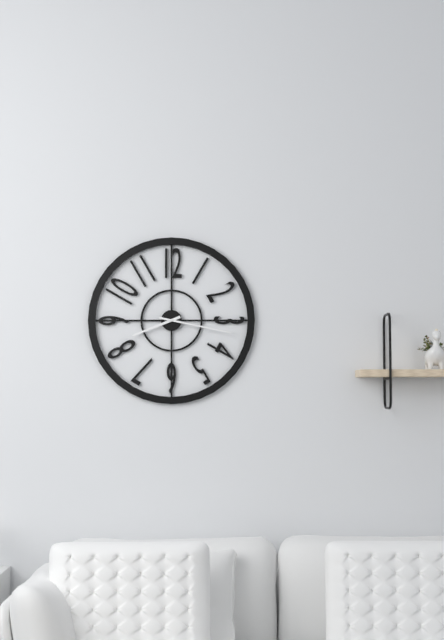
**8:17**
